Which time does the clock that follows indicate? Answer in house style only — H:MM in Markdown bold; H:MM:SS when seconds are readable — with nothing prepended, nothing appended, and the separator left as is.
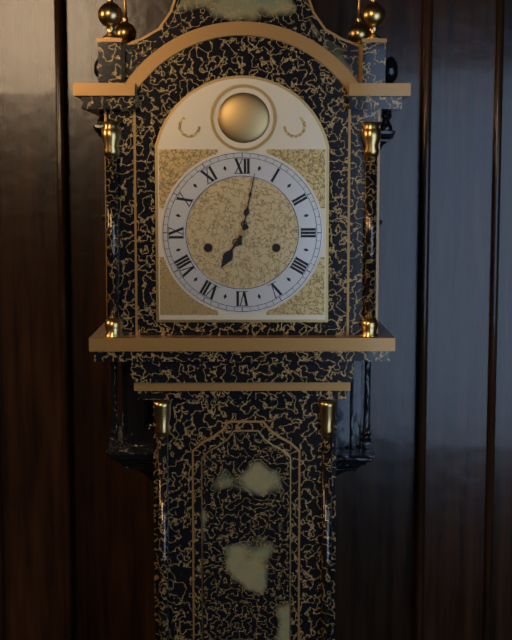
**7:02**
